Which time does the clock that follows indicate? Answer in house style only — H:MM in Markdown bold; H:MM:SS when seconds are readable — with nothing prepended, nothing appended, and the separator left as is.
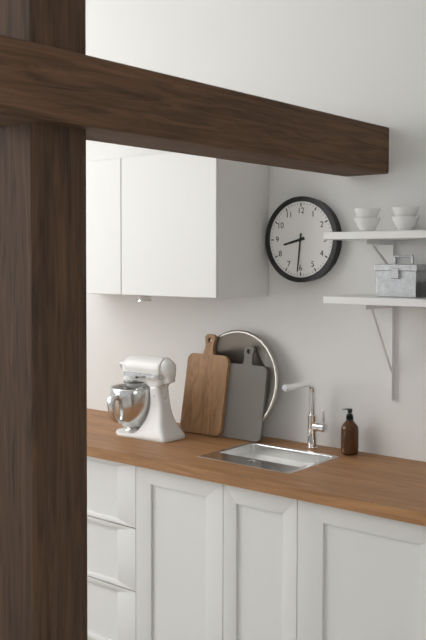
**8:31**
